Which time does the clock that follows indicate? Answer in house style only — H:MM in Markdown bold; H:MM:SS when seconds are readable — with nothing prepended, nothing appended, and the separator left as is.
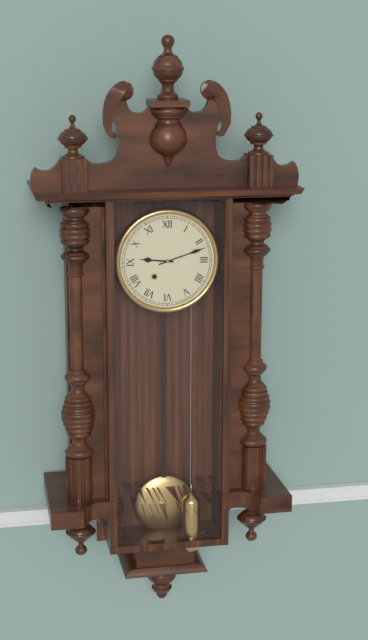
**9:12**
